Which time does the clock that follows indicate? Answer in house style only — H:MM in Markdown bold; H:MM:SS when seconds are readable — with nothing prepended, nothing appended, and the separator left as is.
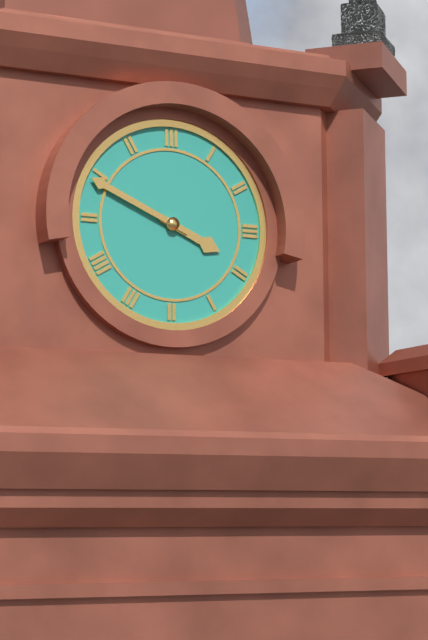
**3:49**
